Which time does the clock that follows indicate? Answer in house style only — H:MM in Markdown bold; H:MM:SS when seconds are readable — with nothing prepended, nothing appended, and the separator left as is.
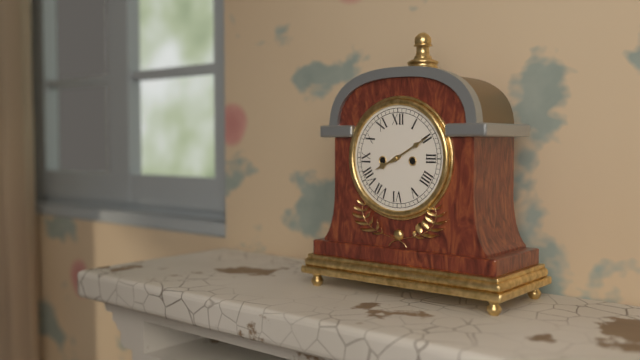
**8:10**
